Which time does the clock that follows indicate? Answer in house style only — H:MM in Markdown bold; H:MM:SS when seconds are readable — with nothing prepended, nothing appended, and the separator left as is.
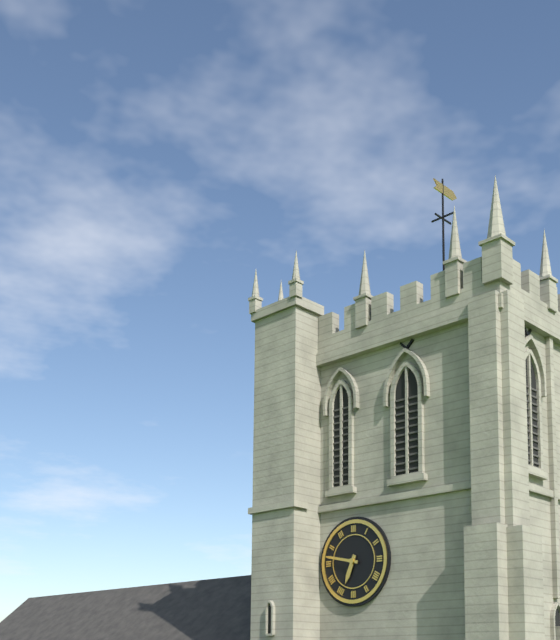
**6:47**
